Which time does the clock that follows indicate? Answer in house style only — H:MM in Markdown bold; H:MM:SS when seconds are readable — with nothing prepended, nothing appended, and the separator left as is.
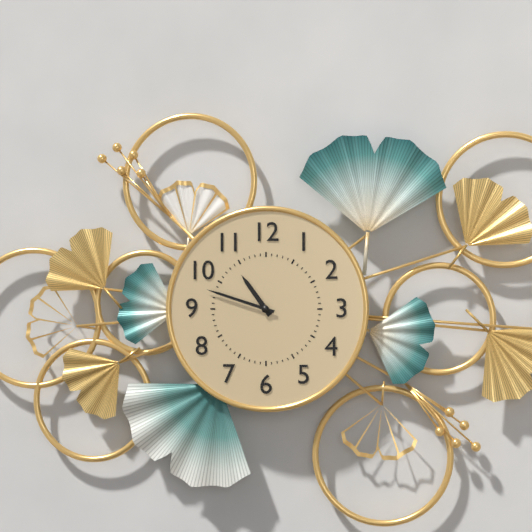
**10:48**
